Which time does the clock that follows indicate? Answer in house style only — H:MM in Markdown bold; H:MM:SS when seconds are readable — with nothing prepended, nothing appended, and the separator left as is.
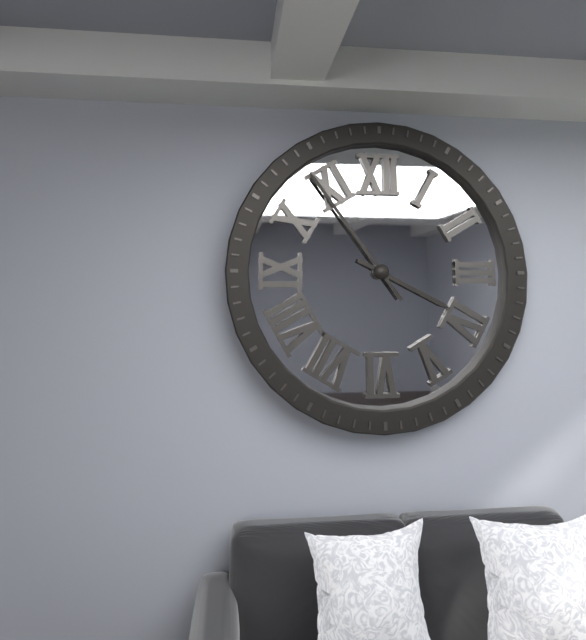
**3:54**
